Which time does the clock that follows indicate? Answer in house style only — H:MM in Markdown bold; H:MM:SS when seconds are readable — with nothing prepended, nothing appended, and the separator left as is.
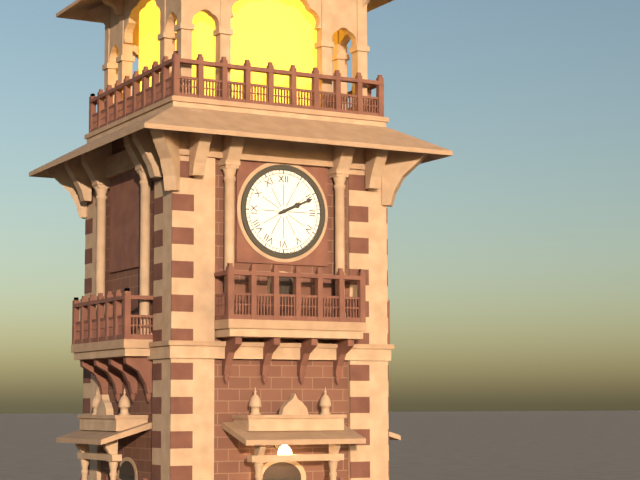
**2:11**
